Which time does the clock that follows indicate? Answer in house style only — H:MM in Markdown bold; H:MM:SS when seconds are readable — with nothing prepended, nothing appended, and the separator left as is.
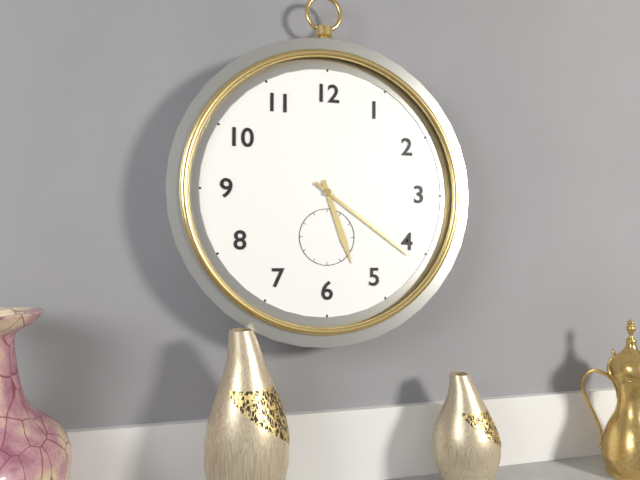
**5:21**
